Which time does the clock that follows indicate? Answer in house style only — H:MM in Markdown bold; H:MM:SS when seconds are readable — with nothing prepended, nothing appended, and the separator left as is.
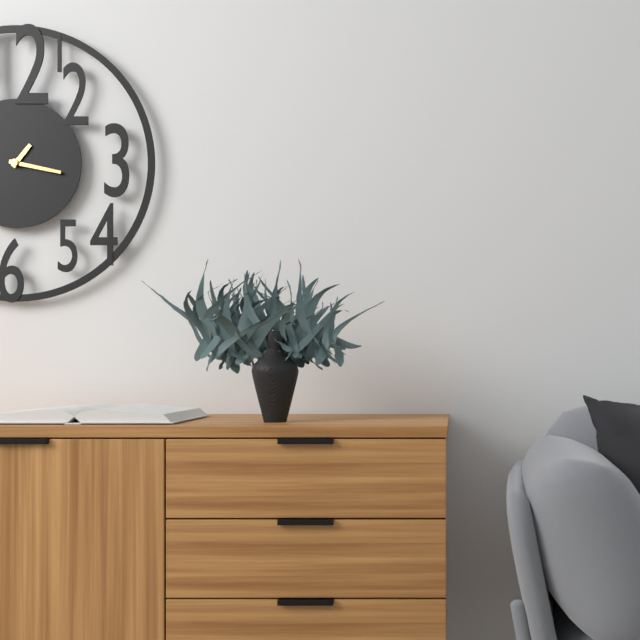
**1:17**
